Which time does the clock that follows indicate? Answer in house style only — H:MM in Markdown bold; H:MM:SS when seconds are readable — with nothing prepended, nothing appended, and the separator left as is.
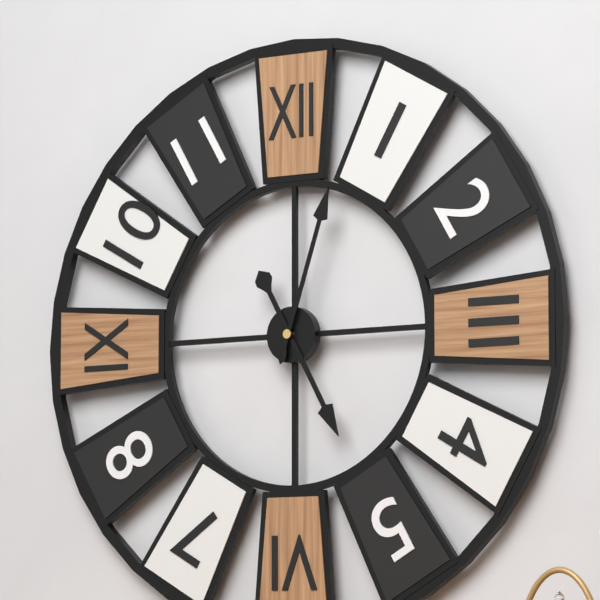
**5:03**
